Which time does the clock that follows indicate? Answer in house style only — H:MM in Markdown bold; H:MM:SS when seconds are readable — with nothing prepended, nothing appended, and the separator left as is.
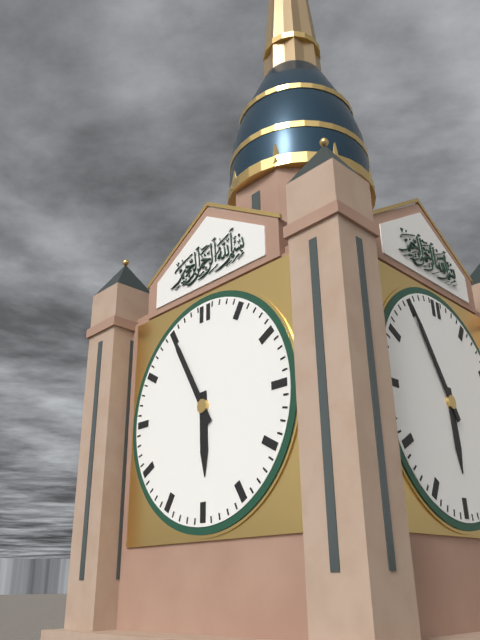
**5:55**
